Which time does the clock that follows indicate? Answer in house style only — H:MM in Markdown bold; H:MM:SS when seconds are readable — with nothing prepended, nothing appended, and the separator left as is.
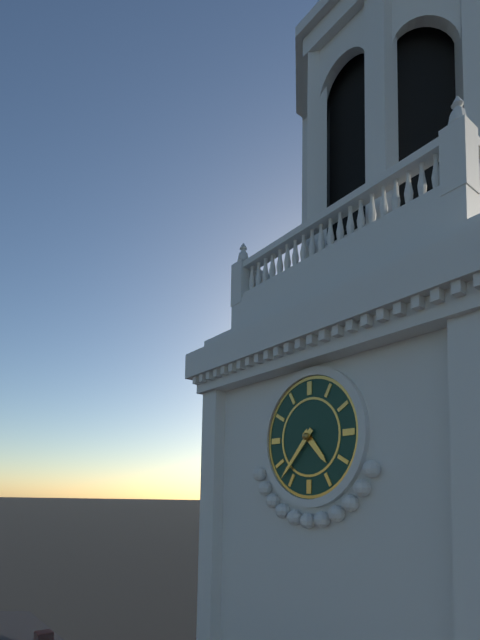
**4:37**
